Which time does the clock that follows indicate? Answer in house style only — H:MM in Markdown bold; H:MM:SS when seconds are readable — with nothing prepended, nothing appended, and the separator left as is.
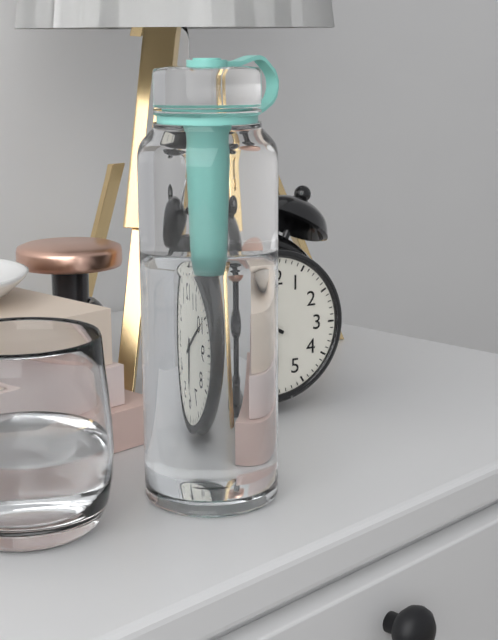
**5:50**
